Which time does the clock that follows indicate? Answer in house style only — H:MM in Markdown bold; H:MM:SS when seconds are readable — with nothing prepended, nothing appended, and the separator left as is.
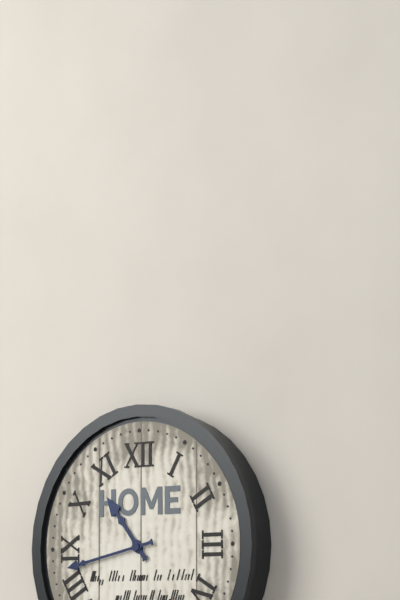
**10:43**
